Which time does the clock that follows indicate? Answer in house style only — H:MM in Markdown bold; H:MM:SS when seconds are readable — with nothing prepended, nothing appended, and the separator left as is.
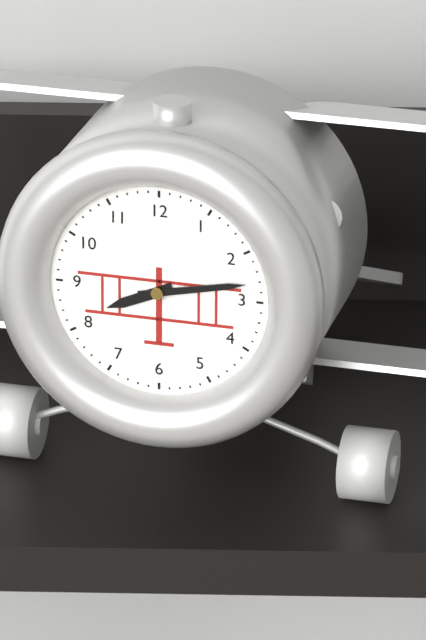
**8:13**
